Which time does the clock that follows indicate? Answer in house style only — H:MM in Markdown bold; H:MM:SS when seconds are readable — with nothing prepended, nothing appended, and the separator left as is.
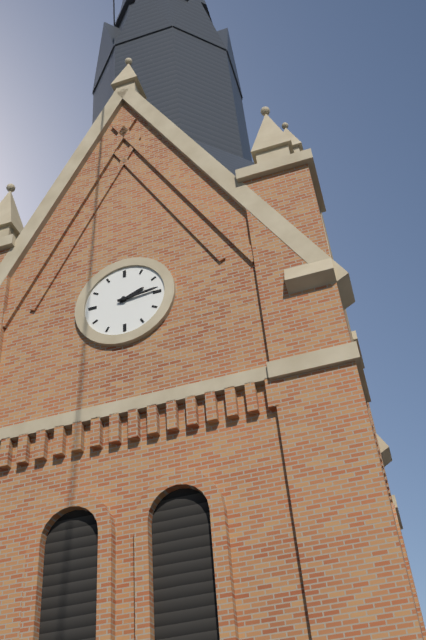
**2:14**
